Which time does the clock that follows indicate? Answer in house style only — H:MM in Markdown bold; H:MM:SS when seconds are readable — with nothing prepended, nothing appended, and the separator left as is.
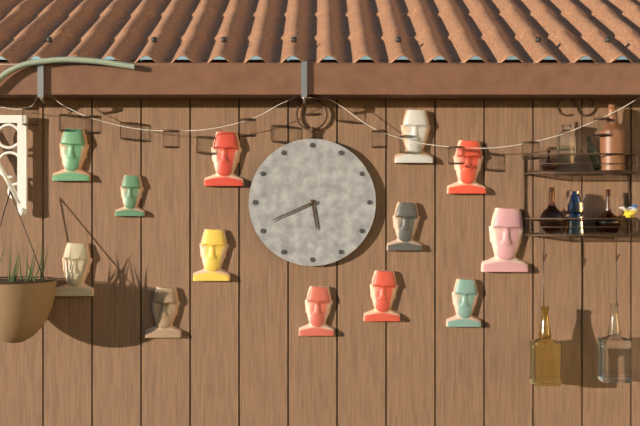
**5:41**
